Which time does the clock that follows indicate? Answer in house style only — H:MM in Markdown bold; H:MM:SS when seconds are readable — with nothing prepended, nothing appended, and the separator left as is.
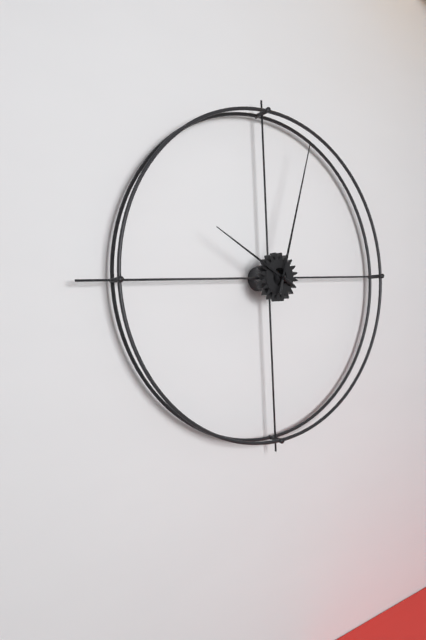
**10:03**
